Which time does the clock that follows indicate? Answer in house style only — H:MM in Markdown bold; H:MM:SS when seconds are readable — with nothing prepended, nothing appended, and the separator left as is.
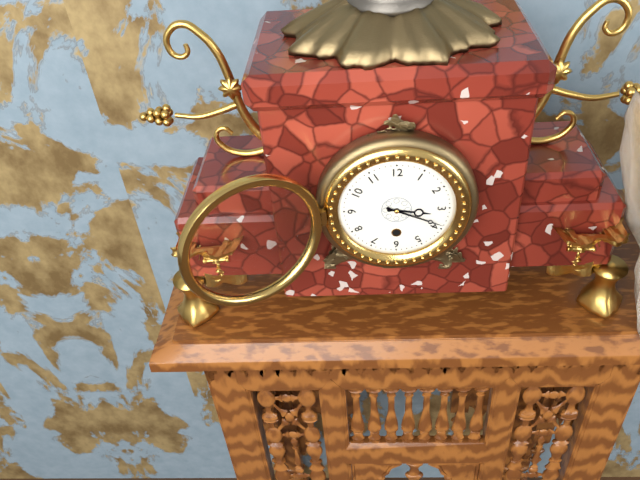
**3:19**
